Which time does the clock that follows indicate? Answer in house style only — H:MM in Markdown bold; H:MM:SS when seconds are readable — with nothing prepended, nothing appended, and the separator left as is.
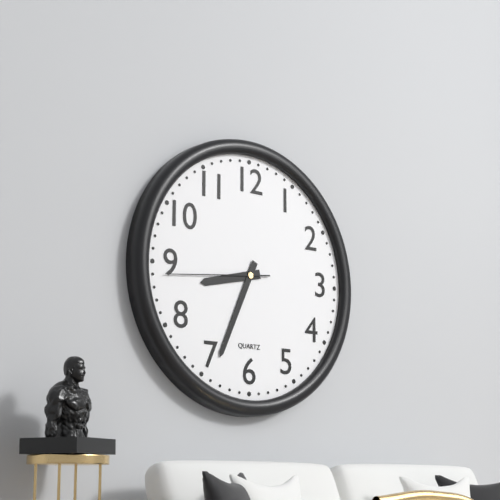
**8:34:44**
